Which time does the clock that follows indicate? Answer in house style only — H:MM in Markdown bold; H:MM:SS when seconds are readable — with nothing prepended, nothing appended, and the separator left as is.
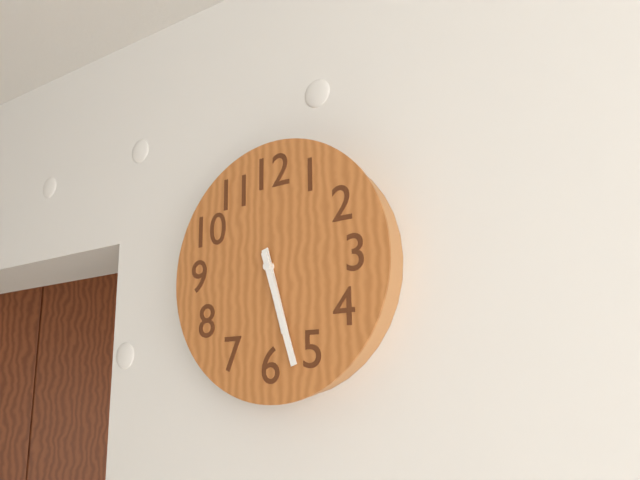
**5:27**
